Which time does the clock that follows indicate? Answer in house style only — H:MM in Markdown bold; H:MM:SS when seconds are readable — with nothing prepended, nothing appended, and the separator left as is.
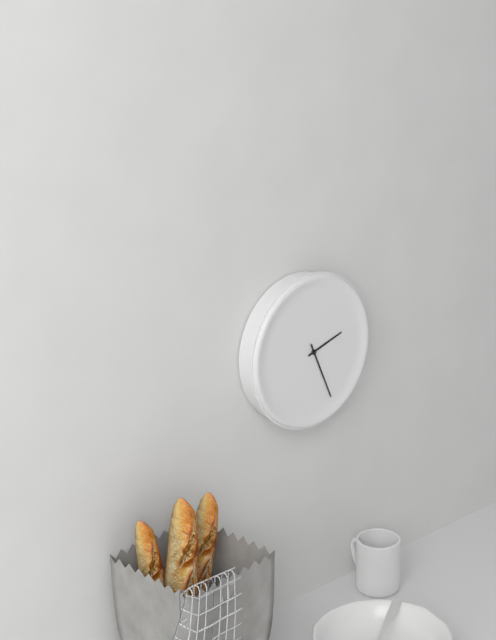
**2:26**
